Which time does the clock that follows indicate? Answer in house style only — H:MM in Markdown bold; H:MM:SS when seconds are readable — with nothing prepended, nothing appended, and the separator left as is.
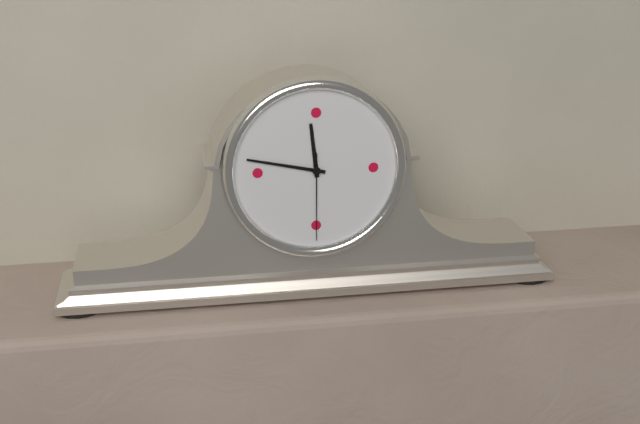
**11:47:30**
